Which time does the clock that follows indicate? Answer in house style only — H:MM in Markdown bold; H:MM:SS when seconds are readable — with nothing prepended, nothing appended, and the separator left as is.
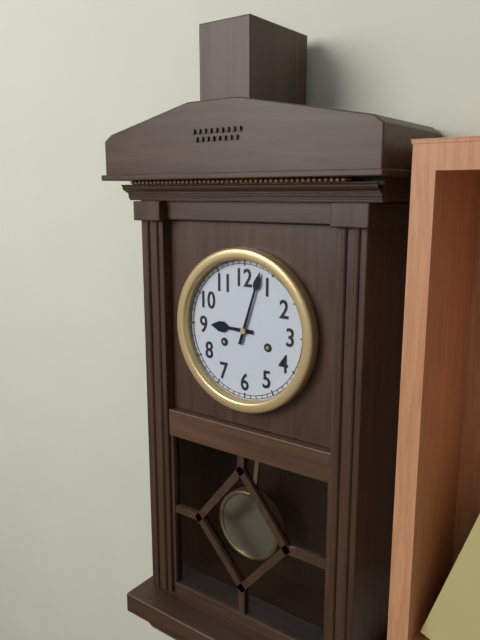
**9:03**
